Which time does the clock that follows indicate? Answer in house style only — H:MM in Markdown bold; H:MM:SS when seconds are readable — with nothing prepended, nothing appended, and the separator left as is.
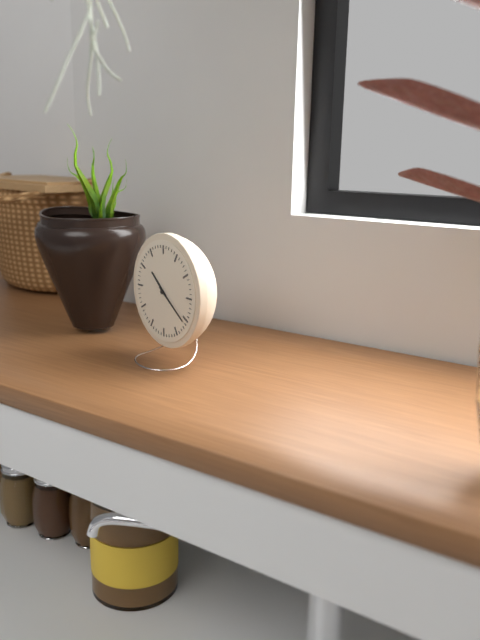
**10:21**
